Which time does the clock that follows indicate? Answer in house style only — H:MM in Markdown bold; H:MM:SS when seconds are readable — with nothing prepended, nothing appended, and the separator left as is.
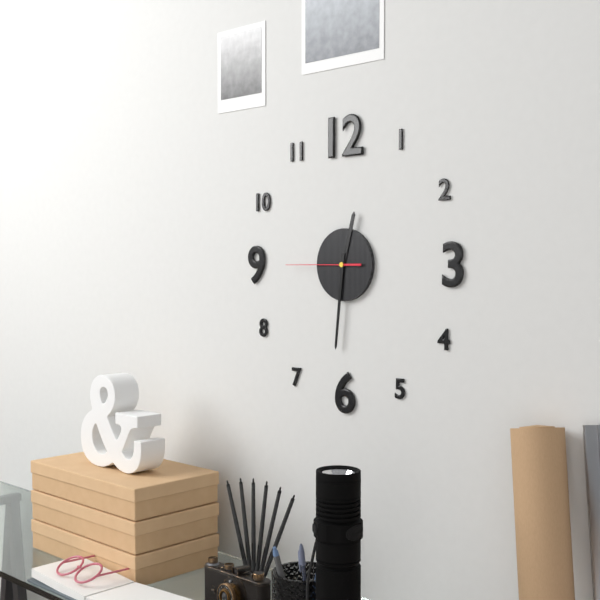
**12:31:45**
